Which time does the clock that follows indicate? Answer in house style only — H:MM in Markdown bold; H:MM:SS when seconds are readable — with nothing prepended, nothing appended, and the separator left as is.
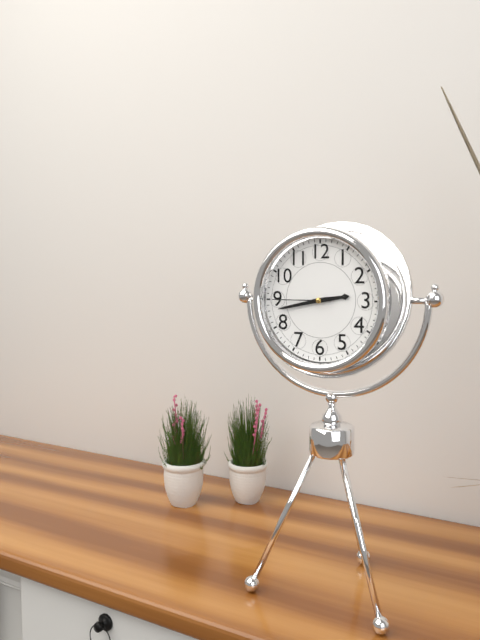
**2:43:45**
